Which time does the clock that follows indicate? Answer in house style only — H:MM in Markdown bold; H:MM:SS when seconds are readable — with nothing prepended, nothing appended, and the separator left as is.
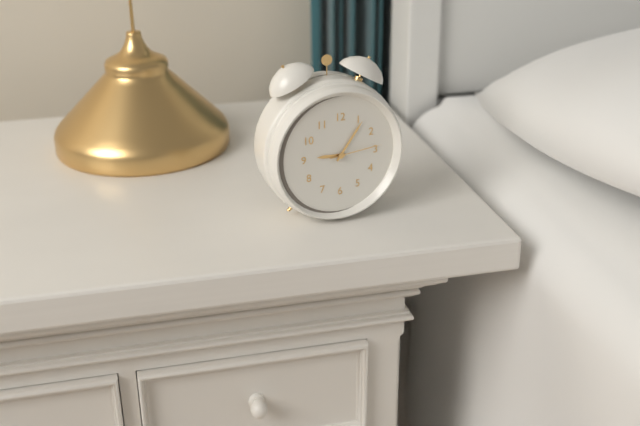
**9:06:14**
